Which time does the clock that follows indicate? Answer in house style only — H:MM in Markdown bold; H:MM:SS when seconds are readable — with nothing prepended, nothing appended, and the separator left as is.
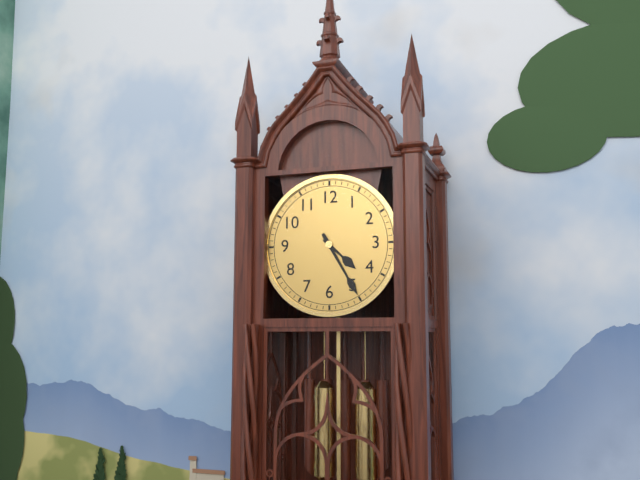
**4:25**
